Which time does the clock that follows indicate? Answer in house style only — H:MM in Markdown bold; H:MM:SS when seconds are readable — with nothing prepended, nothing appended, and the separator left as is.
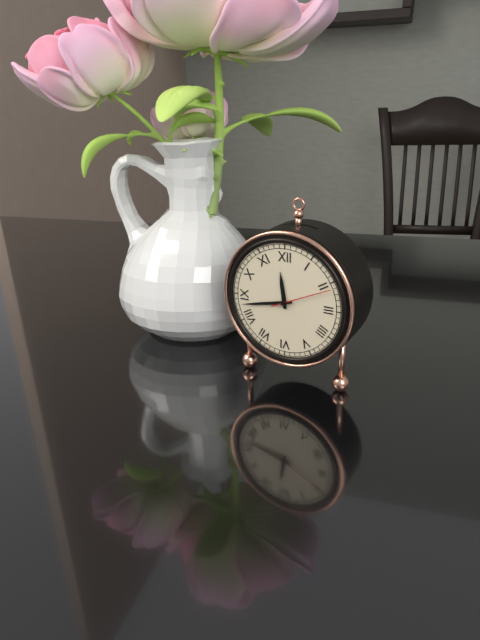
**11:43:11**
